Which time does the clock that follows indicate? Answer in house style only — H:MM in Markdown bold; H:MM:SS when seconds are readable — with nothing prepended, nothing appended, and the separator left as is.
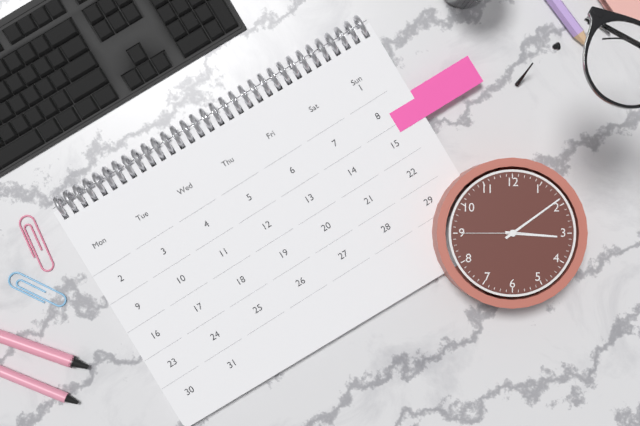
**3:09:45**
